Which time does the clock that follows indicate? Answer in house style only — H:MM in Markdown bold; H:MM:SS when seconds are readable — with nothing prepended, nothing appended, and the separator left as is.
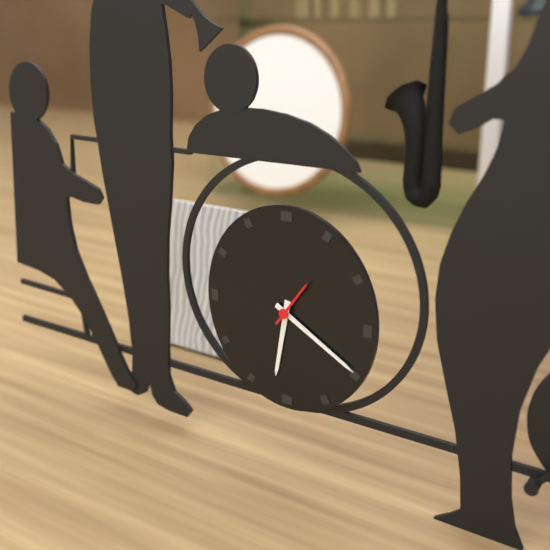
**6:20**
